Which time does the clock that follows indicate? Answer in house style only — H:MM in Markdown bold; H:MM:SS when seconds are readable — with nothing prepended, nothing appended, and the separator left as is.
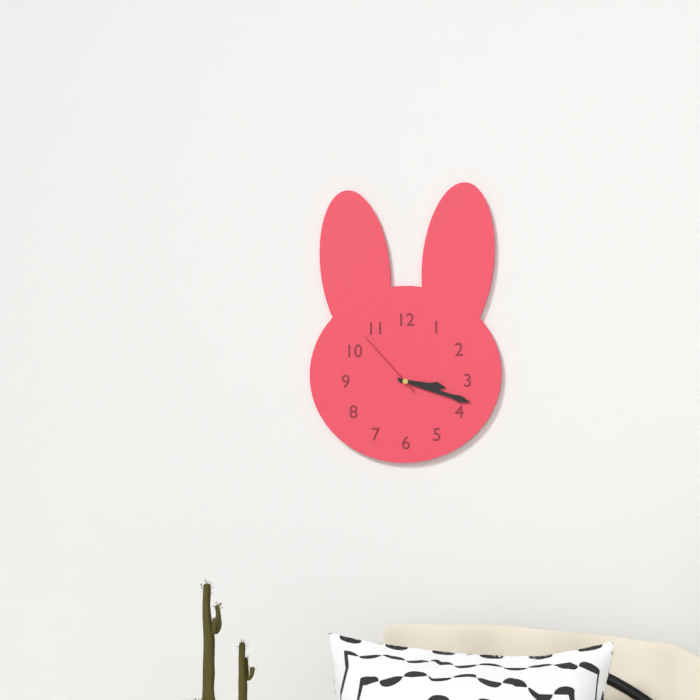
**3:18:53**
